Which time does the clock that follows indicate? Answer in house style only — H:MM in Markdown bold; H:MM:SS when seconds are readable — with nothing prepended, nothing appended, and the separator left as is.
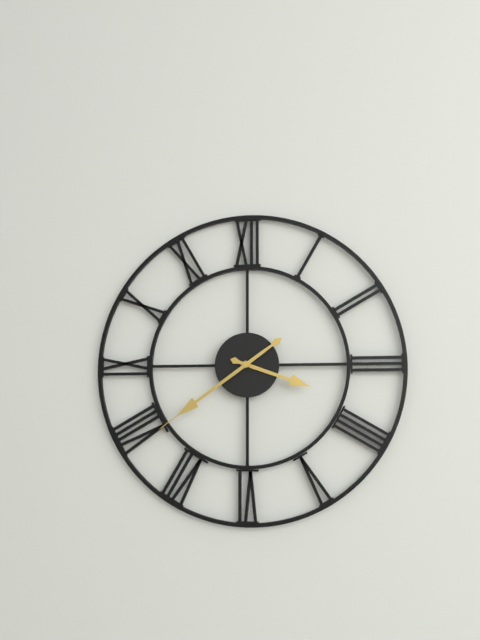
**3:39**
